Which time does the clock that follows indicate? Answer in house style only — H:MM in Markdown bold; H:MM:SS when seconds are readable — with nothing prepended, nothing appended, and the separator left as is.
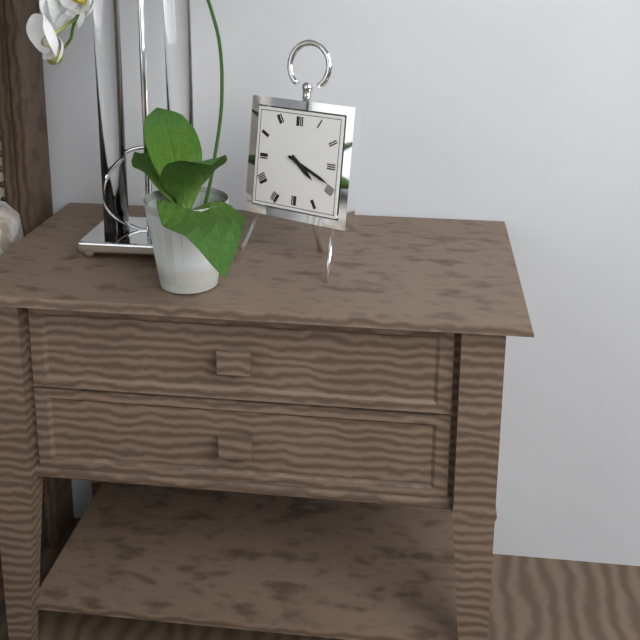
**4:19**
